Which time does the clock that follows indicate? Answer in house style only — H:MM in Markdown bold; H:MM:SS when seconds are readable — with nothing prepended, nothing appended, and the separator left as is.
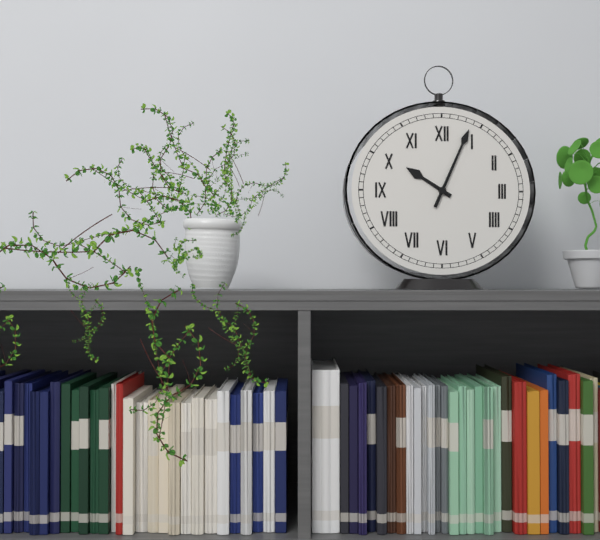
**10:04**
